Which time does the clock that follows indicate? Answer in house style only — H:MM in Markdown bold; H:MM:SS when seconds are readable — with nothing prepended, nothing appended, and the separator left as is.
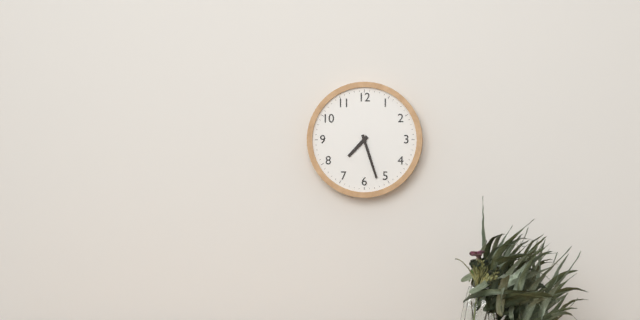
**7:27**
